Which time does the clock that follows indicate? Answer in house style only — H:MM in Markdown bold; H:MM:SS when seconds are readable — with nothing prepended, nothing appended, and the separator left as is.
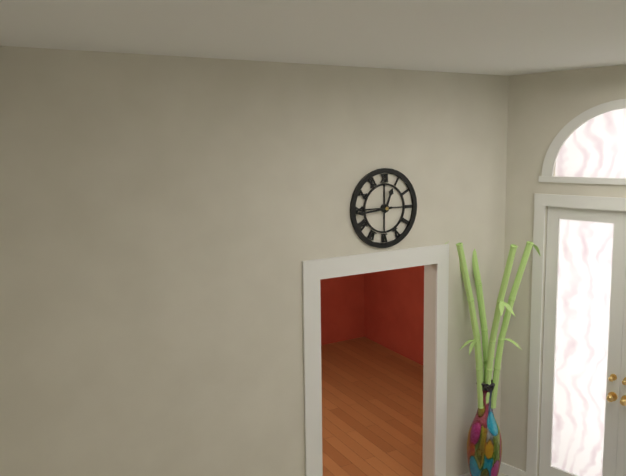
**12:44**
